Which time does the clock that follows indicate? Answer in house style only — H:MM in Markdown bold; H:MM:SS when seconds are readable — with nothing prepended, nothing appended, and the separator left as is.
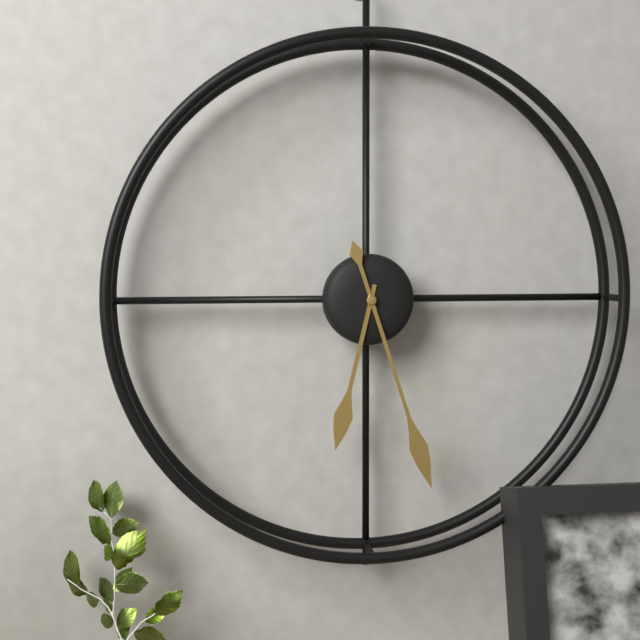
**6:27**
